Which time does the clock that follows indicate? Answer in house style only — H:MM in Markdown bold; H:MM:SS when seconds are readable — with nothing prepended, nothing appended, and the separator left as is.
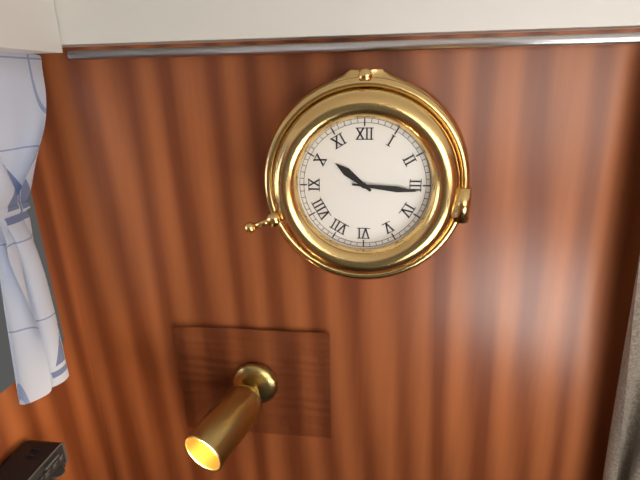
**10:16**
